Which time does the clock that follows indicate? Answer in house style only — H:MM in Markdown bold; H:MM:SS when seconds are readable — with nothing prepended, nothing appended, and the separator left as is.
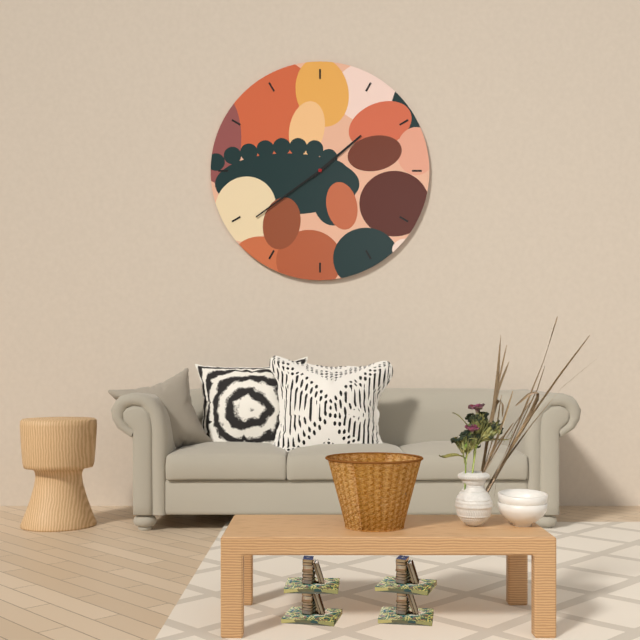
**1:39**
